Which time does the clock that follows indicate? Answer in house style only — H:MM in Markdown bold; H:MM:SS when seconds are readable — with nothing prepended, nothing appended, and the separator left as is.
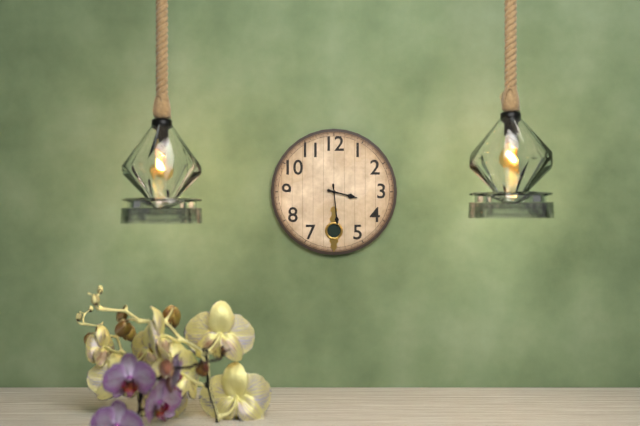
**3:29**
